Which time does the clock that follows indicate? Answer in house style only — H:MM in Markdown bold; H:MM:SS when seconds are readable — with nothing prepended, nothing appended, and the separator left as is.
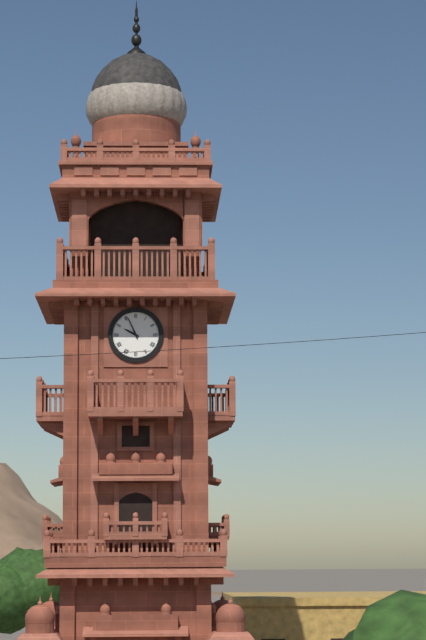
**9:56**
